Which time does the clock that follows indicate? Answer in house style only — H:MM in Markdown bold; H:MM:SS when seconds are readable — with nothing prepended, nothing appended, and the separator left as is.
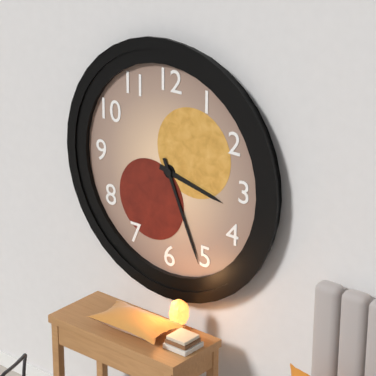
**3:26**
